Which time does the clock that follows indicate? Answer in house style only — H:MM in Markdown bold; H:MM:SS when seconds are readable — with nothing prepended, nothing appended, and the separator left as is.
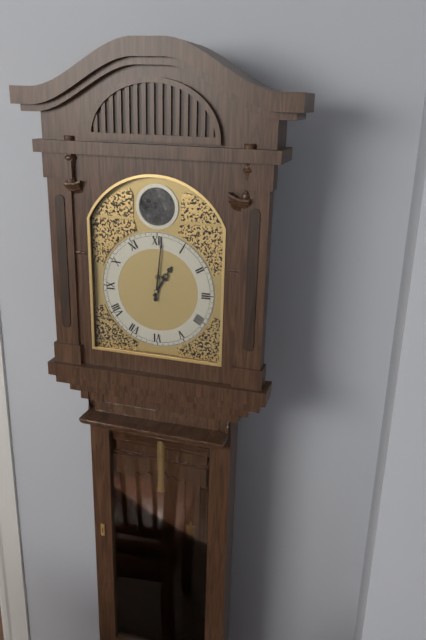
**1:01**
